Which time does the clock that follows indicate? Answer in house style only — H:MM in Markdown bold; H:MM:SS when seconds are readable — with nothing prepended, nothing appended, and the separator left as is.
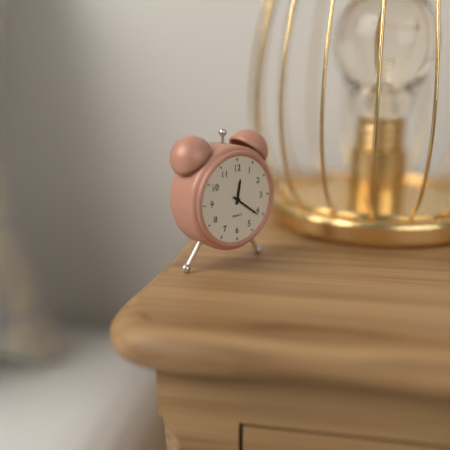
**12:21**
